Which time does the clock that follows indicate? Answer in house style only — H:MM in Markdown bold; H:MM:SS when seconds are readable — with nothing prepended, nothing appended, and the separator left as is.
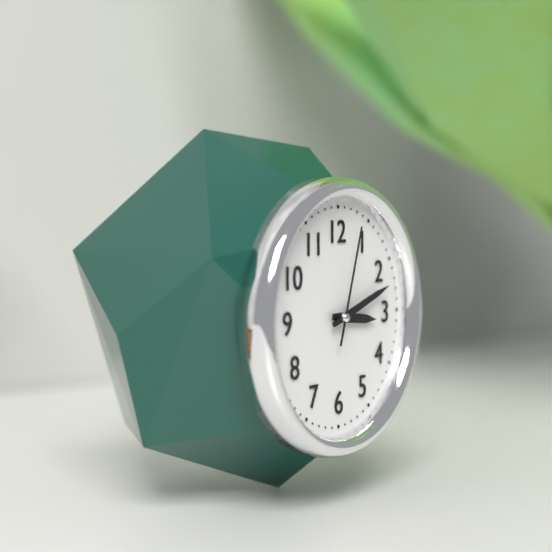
**3:12:03**
